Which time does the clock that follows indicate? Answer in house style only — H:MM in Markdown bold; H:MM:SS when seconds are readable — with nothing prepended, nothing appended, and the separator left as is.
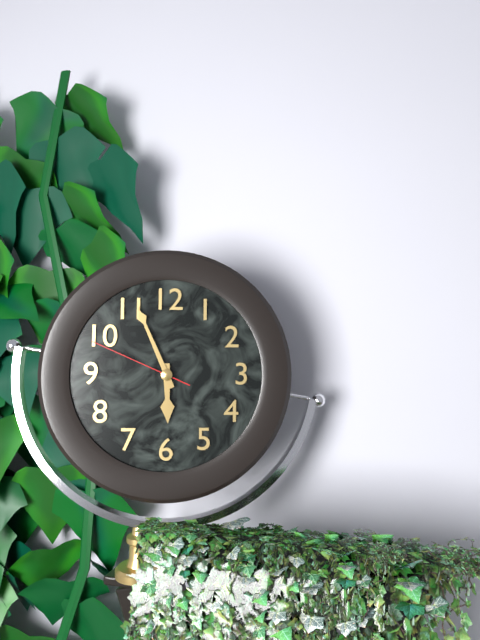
**5:56:49**
